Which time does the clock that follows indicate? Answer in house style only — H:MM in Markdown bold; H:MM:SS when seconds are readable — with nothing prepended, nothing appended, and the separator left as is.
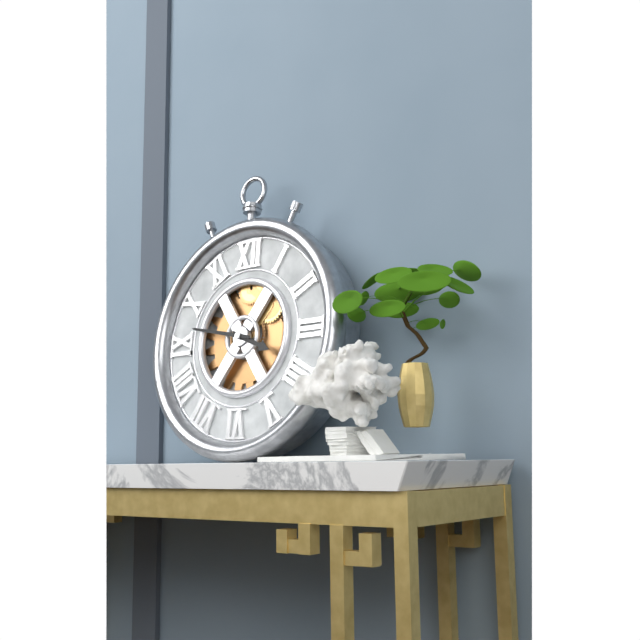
**3:47**
